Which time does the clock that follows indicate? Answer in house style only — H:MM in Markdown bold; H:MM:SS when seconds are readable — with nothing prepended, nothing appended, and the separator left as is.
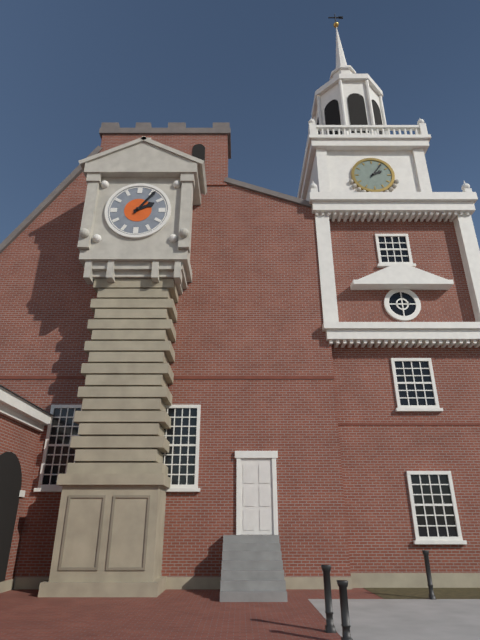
**2:06**
